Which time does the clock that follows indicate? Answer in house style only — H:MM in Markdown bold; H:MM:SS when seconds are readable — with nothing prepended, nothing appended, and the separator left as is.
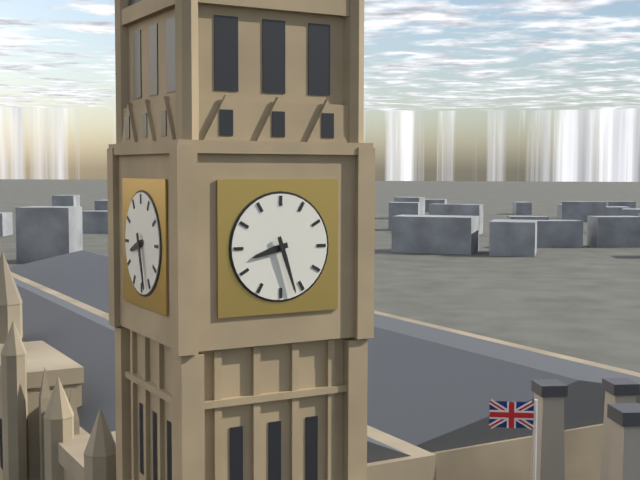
**8:27**
